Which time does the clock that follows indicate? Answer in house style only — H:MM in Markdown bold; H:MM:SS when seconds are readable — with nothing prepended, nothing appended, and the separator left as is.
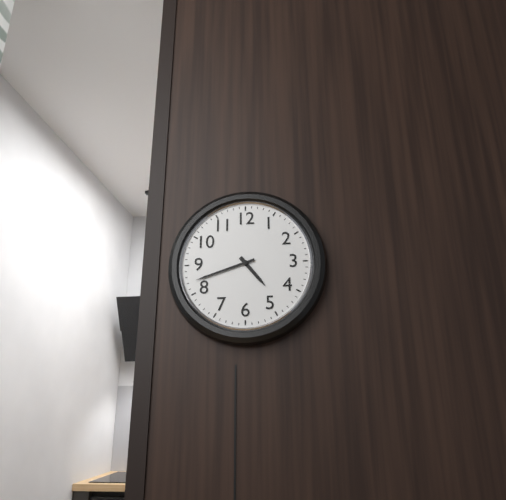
**4:42**
